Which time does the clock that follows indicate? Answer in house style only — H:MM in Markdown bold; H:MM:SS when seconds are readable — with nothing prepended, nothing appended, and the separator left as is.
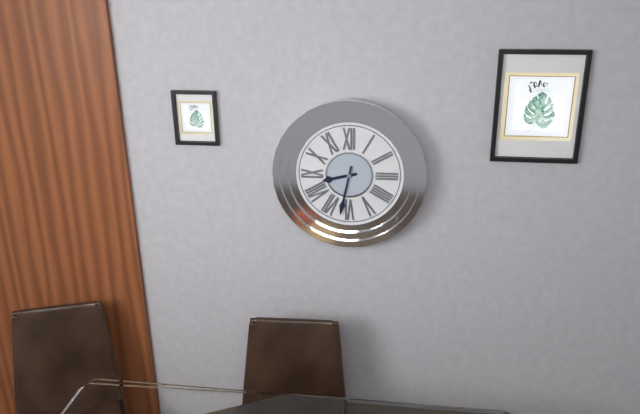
**8:32**
